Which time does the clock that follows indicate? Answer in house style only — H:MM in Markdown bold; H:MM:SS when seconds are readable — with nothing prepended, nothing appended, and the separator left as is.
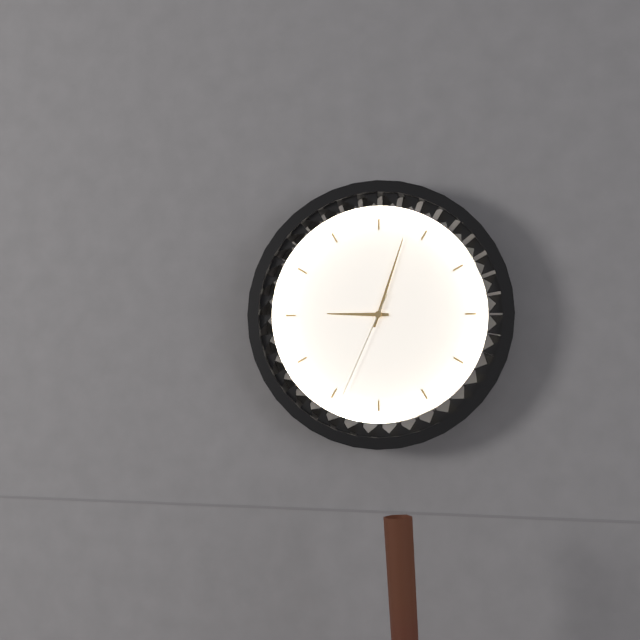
**9:03:34**
